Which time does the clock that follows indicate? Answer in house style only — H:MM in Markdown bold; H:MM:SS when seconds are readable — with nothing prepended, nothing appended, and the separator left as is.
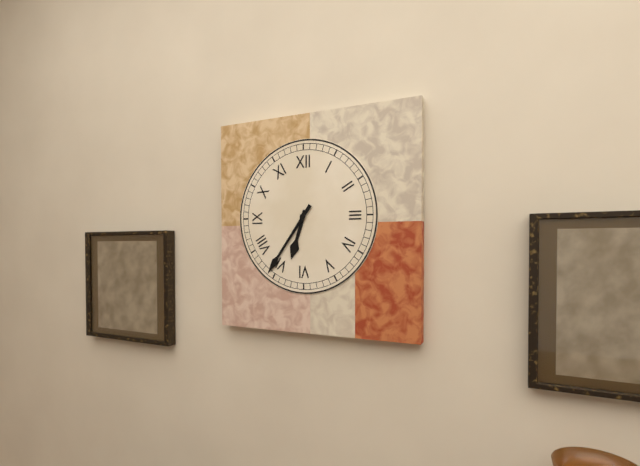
**6:36**
